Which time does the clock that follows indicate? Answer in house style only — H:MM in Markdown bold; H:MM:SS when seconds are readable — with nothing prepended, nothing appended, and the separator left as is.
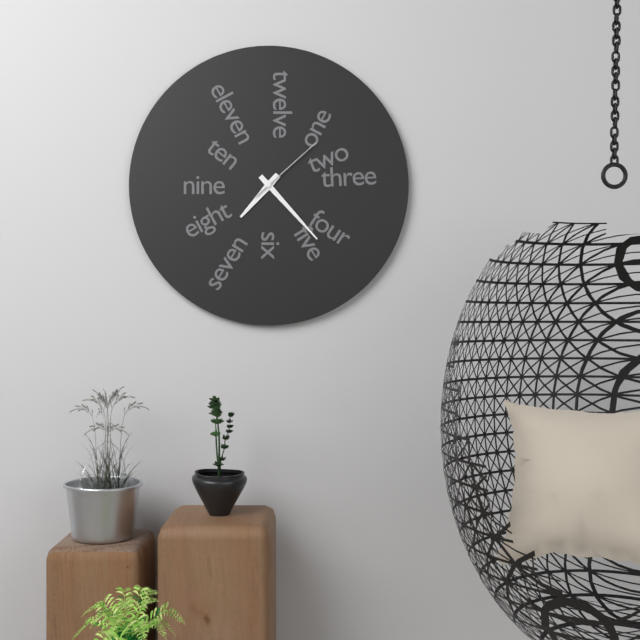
**7:23:08**
